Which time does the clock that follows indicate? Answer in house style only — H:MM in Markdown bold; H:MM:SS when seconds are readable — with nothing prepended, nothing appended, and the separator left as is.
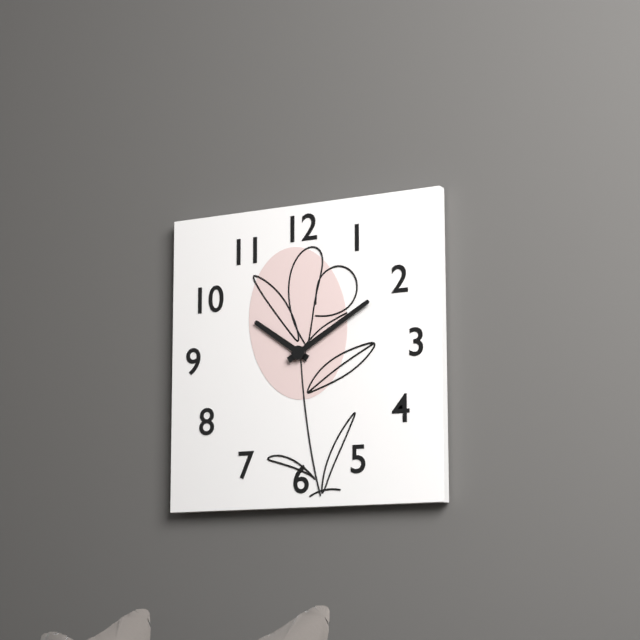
**10:10**
